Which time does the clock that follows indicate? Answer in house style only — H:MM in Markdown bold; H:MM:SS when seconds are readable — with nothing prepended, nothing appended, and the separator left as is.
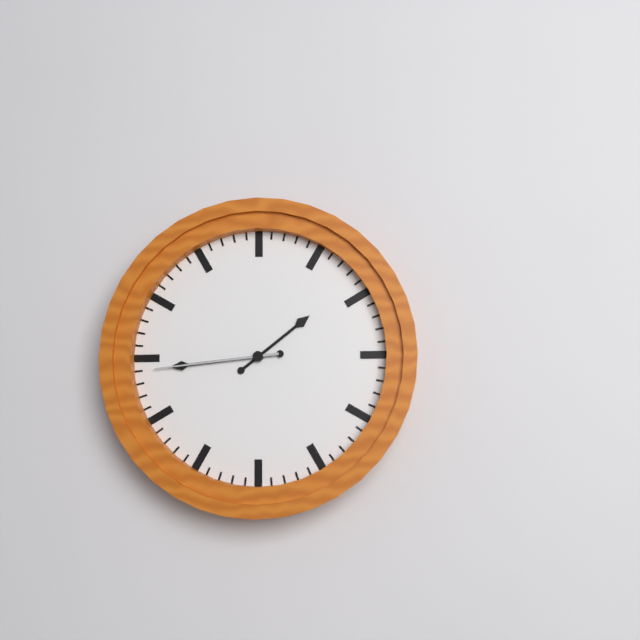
**1:44:44**
